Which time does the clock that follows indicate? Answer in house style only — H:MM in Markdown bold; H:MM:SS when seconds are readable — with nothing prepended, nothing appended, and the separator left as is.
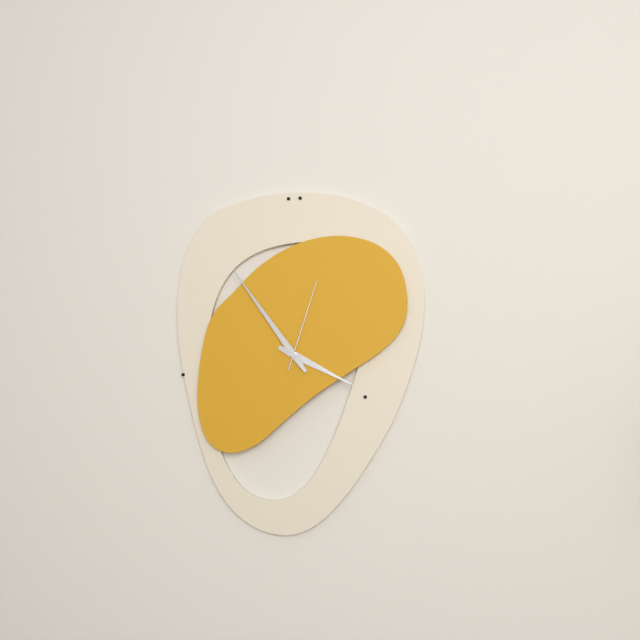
**3:54:03**
